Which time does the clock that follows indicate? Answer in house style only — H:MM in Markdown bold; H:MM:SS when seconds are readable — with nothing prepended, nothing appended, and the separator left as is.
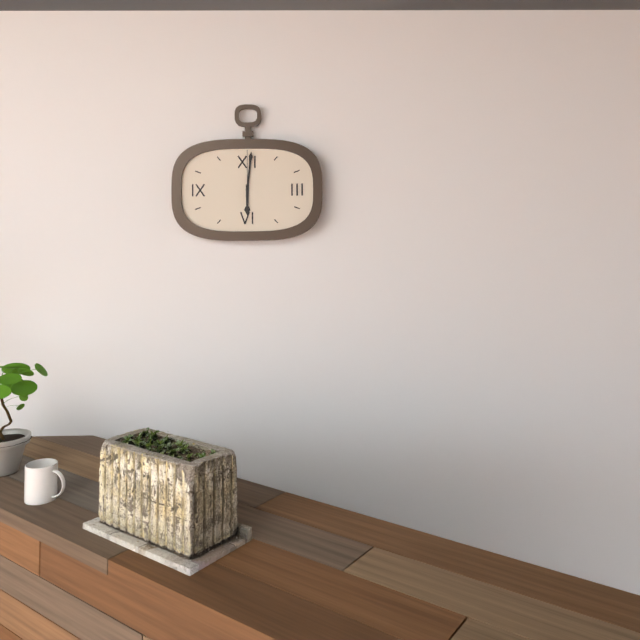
**6:01:00**
